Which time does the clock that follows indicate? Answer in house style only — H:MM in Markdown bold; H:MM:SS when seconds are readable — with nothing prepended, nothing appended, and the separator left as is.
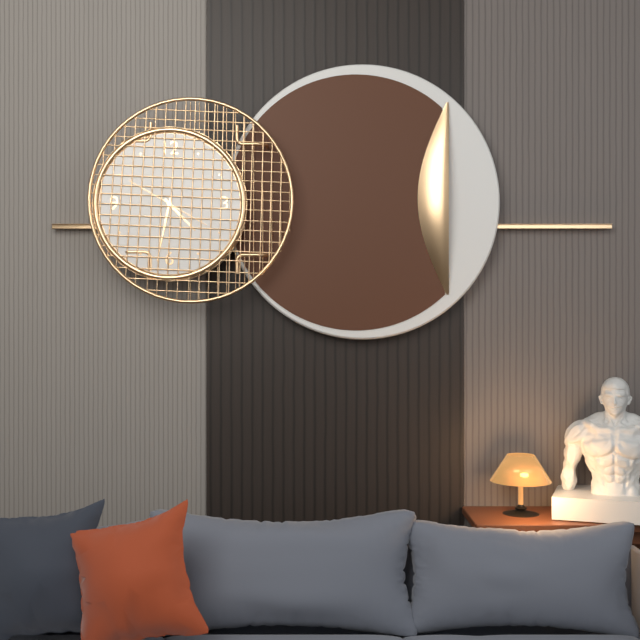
**4:32:50**
